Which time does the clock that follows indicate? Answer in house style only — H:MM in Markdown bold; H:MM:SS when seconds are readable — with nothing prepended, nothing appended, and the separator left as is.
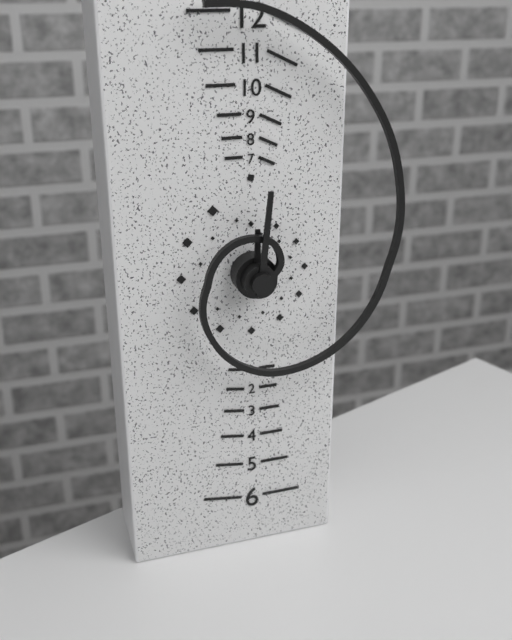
**12:01**
